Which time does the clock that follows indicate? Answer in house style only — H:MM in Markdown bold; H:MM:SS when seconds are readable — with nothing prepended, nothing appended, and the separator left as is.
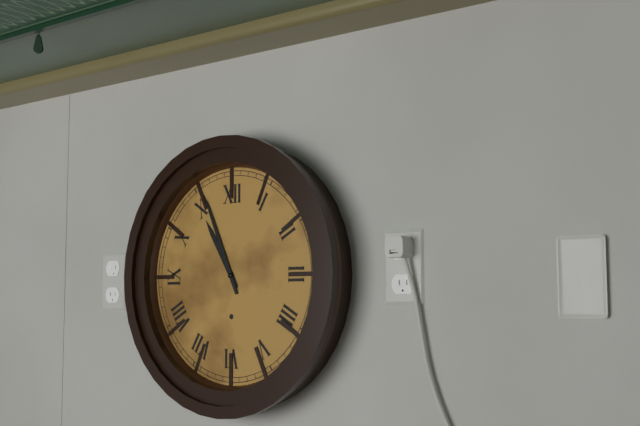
**10:56**
